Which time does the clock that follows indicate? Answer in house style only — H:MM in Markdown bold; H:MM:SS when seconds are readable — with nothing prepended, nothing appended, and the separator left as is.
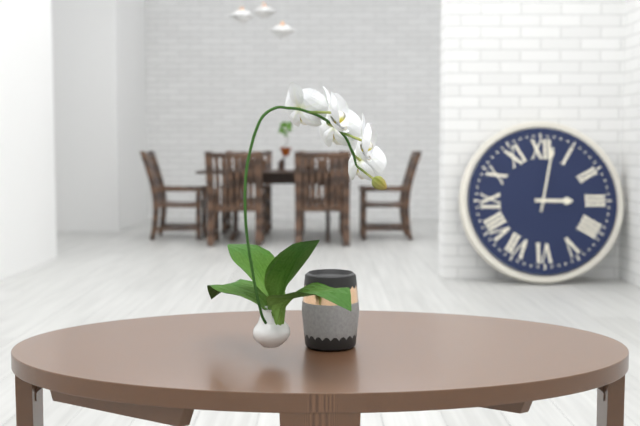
**3:02**
